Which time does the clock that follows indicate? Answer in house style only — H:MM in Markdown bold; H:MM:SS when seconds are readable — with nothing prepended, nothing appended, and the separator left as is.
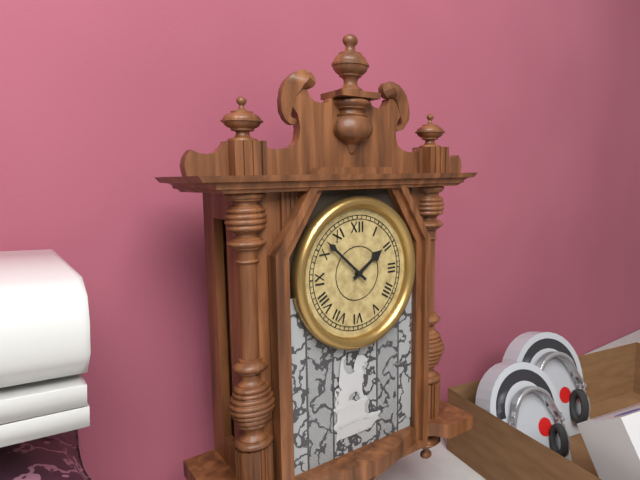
**1:52**
